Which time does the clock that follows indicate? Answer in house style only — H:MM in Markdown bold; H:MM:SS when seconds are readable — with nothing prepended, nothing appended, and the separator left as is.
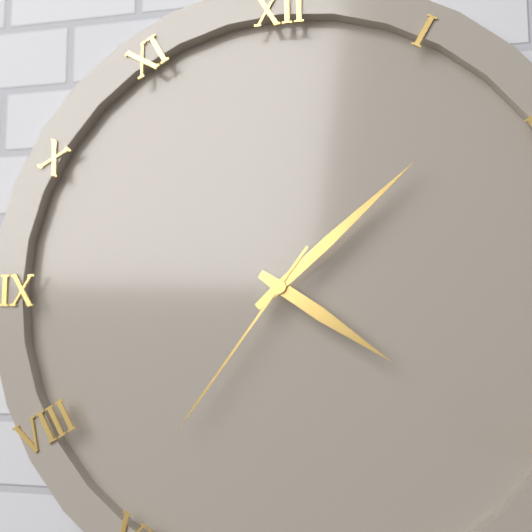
**4:08:36**
